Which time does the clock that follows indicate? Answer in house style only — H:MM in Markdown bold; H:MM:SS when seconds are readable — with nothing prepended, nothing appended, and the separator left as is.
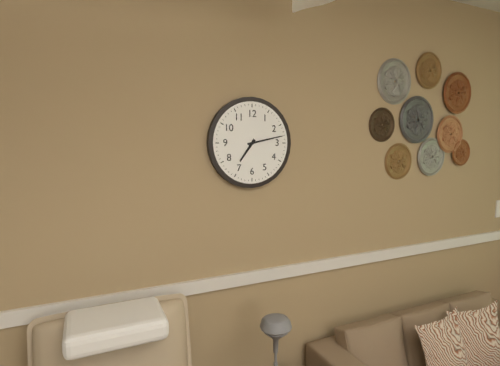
**7:13**
